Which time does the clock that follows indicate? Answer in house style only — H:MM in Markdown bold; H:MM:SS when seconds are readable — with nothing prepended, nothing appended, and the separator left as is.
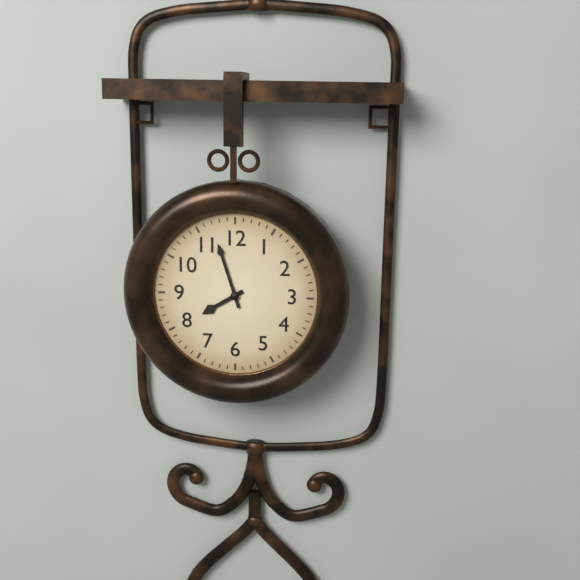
**7:57**
